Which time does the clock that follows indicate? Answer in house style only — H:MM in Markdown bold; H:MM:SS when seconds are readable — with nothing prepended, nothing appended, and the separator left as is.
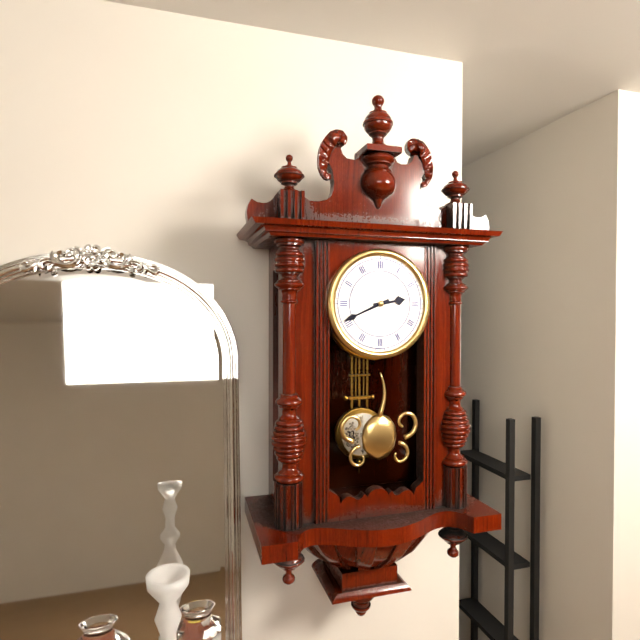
**2:41**
